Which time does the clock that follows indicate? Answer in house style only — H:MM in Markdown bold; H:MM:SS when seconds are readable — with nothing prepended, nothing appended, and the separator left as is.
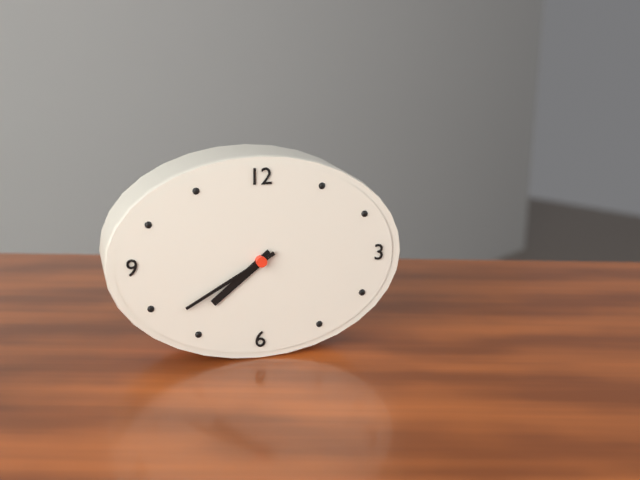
**7:40**
